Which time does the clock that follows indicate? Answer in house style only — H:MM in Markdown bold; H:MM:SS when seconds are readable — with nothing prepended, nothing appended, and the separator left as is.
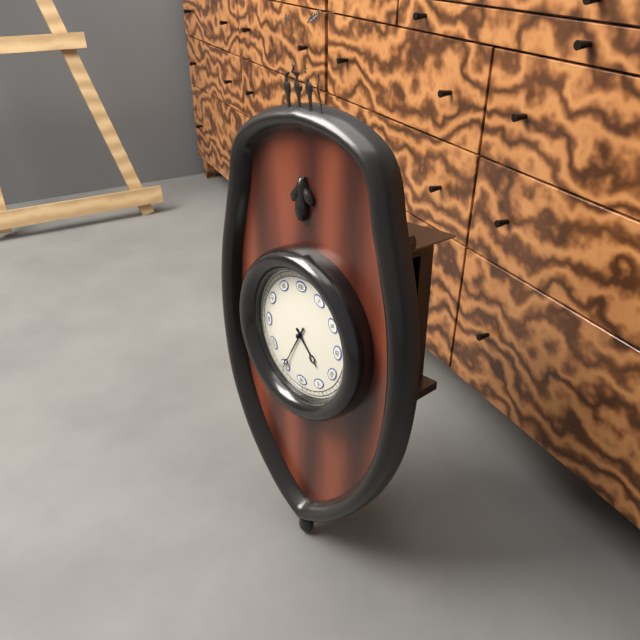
**4:35**
